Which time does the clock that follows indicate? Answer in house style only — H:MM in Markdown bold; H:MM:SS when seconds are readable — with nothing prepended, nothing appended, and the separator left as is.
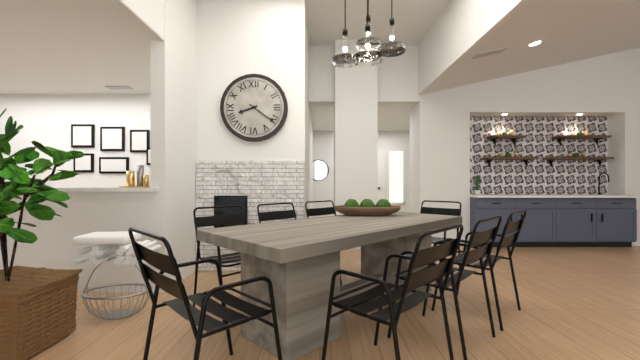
**8:21**
